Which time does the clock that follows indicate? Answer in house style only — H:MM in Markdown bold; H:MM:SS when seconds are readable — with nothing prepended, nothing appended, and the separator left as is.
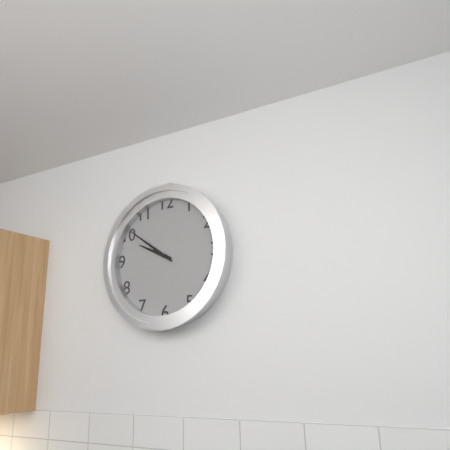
**9:51**
